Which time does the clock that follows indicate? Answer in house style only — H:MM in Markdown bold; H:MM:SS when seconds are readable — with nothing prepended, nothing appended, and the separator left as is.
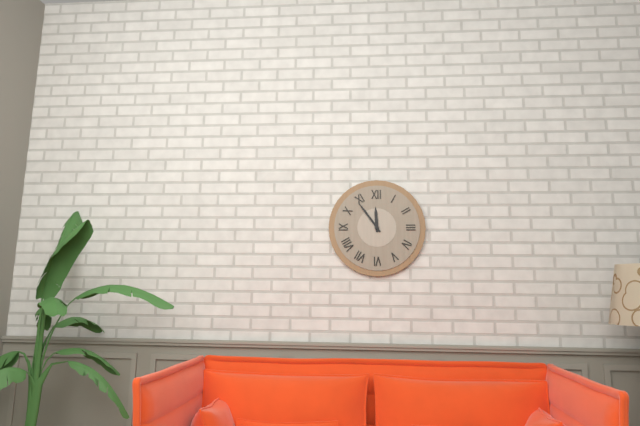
**11:54**
